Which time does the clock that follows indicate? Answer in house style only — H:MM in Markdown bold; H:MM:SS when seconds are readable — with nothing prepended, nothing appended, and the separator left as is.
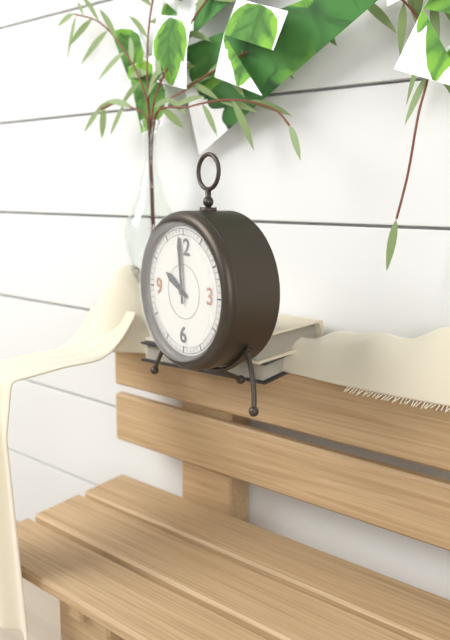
**9:59**
